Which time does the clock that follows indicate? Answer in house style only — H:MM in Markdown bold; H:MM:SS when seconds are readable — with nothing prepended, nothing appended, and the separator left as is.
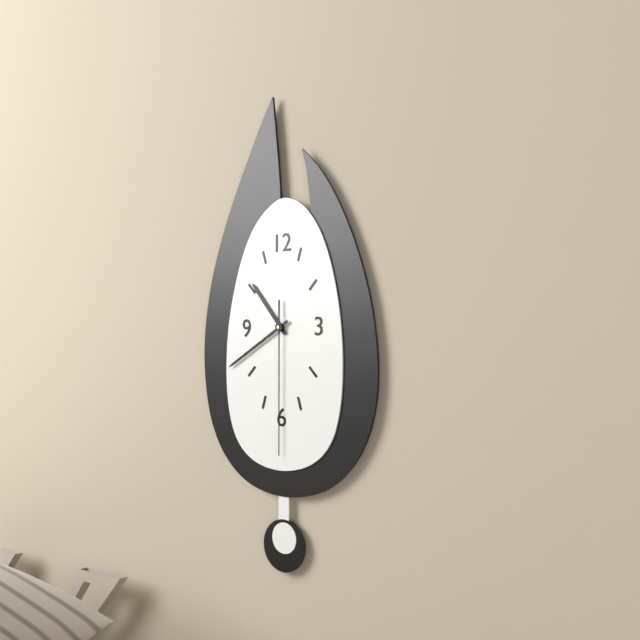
**10:40:30**
